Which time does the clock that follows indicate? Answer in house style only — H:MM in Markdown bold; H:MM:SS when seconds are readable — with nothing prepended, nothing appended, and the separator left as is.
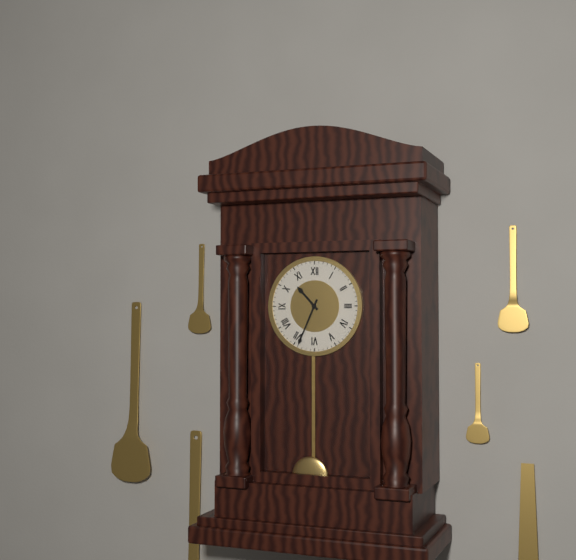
**10:34**
